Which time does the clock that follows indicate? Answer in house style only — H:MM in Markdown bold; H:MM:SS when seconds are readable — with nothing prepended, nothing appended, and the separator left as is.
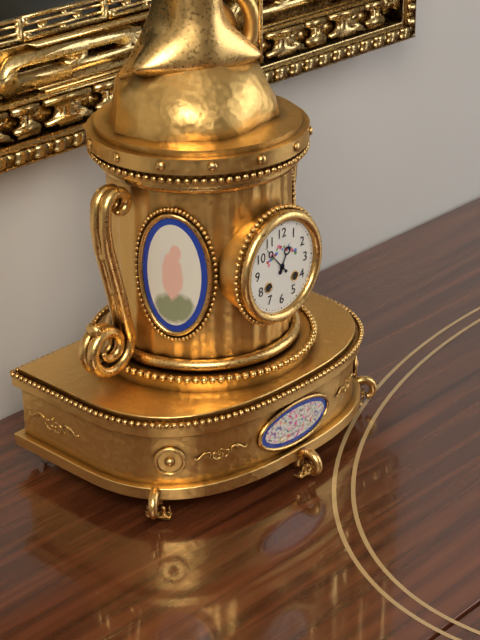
**12:53**
